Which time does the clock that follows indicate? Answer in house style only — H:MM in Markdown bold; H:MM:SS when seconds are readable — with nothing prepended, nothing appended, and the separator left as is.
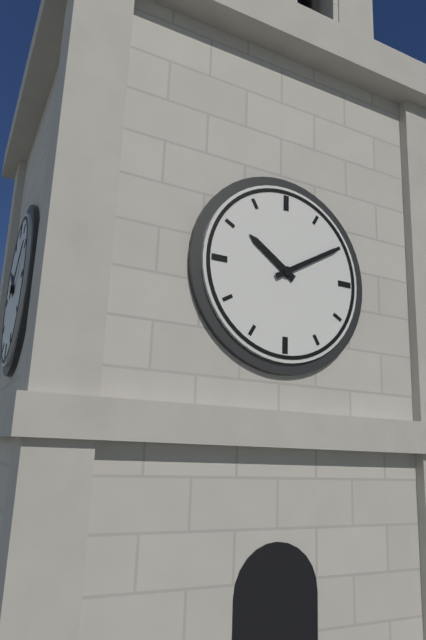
**10:10**
